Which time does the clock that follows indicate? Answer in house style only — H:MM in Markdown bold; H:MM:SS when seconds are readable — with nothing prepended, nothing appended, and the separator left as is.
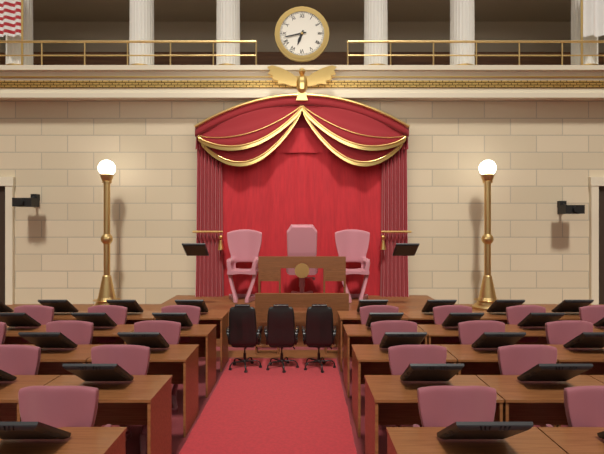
**6:43**
